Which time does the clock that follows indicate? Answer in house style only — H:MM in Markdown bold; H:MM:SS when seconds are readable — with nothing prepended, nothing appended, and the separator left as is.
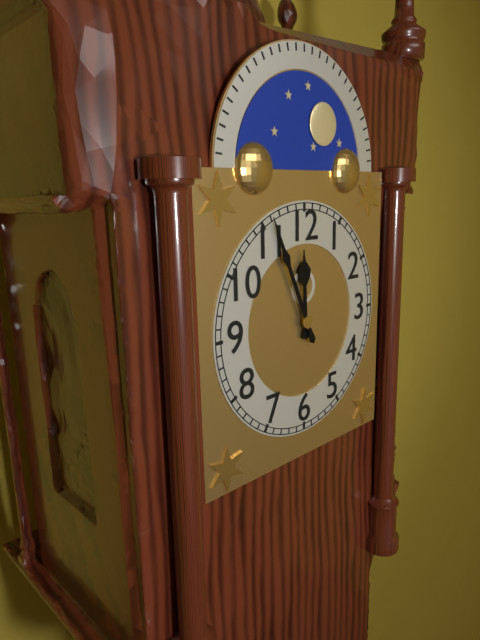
**11:56**
